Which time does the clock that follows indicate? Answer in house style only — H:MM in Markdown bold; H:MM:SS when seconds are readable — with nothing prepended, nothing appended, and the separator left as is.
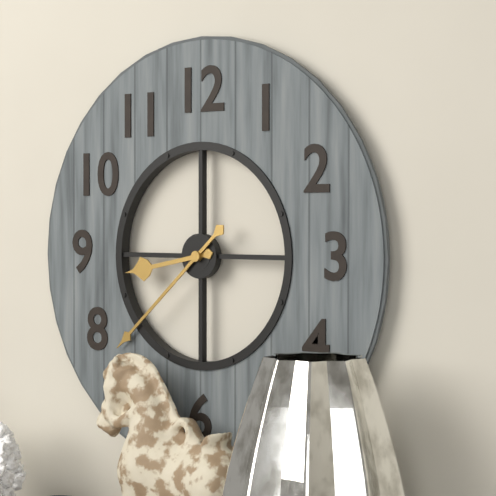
**8:38**
